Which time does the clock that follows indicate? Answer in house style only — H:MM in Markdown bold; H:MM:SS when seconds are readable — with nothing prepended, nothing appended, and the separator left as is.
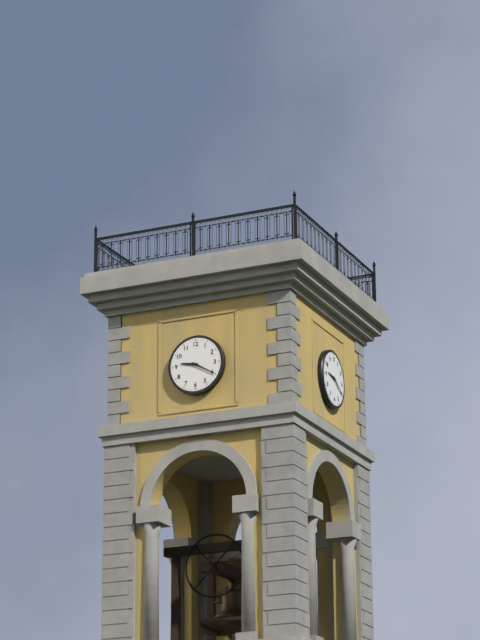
**9:20**
